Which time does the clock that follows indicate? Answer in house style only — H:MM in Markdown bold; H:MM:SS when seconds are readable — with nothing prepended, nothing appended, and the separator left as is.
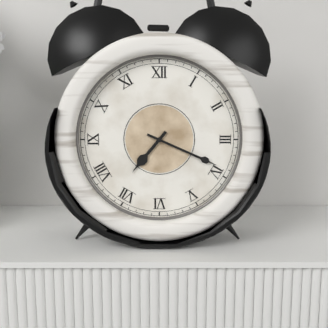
**7:19**
